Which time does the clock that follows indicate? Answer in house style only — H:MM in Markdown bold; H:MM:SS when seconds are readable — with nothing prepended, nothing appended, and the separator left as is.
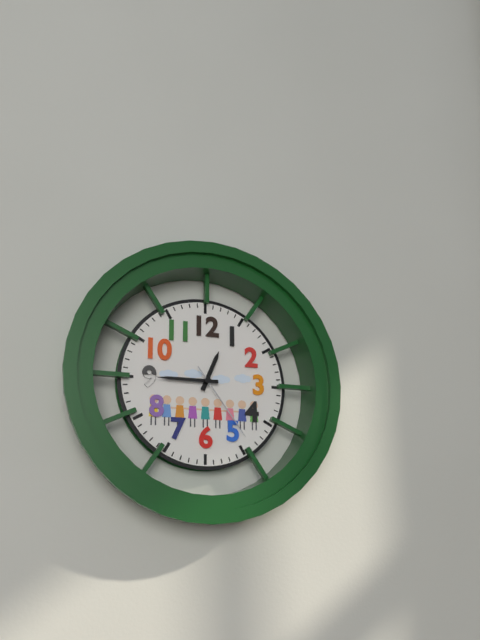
**12:45:24**
